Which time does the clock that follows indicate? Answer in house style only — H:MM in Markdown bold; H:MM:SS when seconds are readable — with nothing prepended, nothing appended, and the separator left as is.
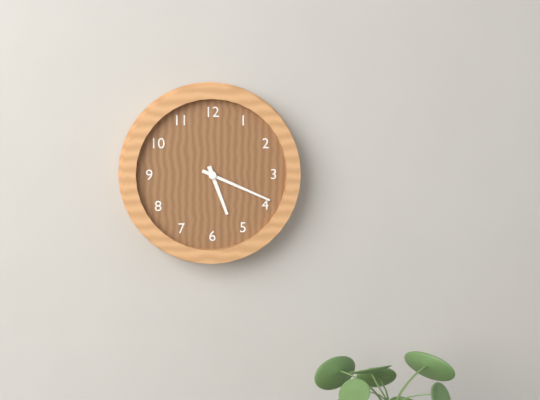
**5:19**
